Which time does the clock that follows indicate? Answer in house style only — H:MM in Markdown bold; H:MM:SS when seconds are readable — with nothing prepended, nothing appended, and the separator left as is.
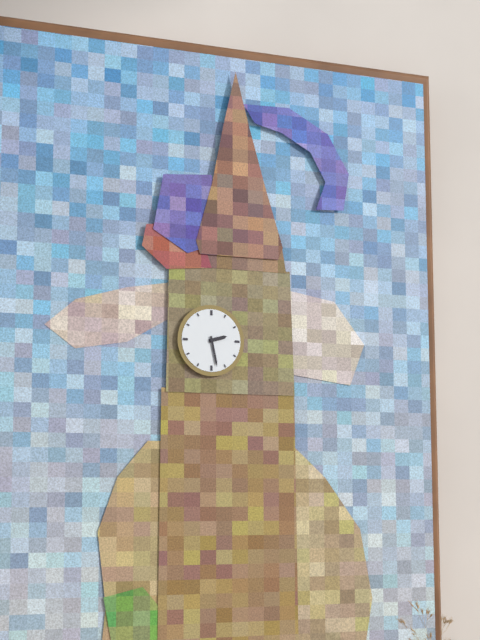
**2:28**
